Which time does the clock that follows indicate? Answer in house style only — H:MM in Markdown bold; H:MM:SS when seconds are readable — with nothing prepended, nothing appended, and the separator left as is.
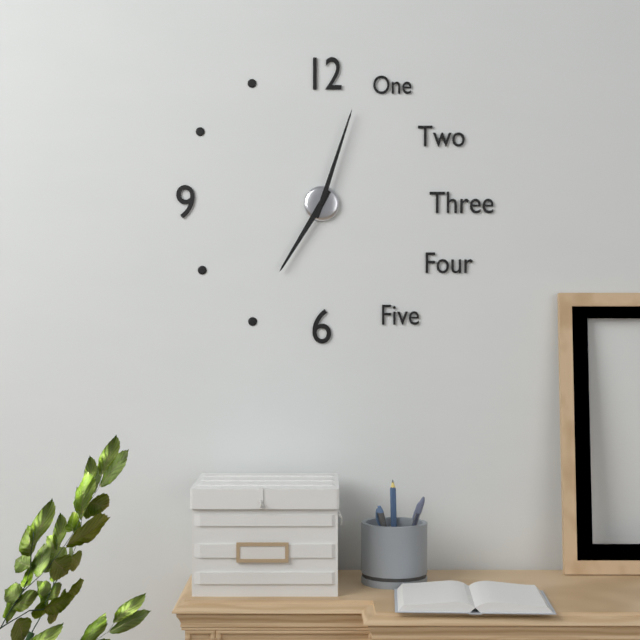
**7:03**
